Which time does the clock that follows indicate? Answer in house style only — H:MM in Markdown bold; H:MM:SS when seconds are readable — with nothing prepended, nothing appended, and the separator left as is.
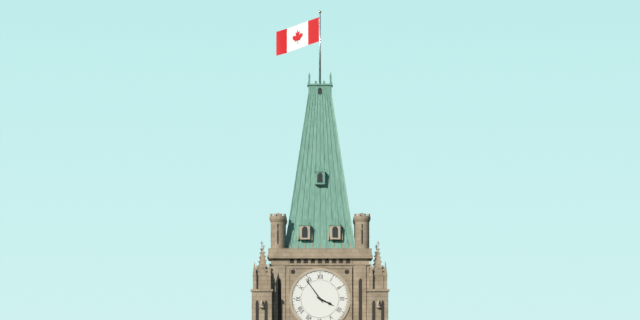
**3:54**
